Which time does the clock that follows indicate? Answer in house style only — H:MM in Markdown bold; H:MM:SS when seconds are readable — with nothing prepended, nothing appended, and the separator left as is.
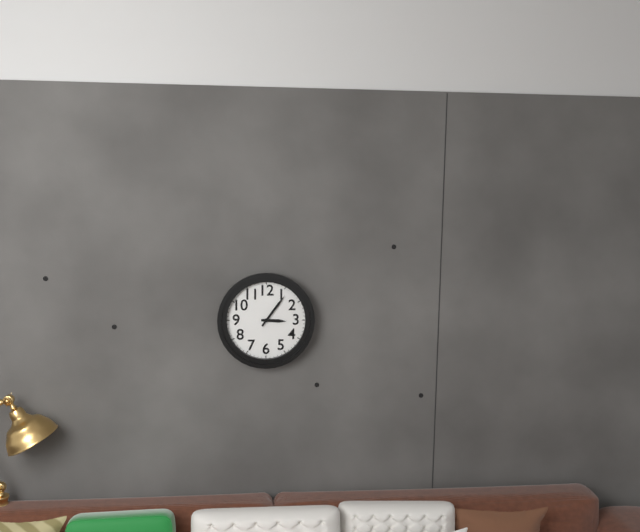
**3:06**
